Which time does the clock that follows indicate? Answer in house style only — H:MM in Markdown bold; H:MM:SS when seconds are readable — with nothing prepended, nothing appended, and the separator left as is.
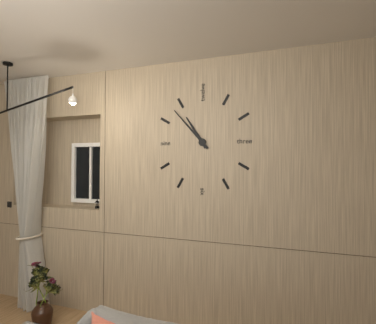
**10:53**
